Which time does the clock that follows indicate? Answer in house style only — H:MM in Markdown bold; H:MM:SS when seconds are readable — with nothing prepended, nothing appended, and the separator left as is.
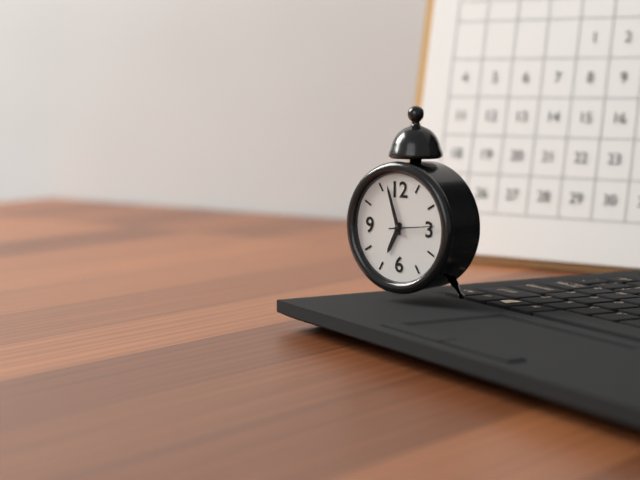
**6:57**
